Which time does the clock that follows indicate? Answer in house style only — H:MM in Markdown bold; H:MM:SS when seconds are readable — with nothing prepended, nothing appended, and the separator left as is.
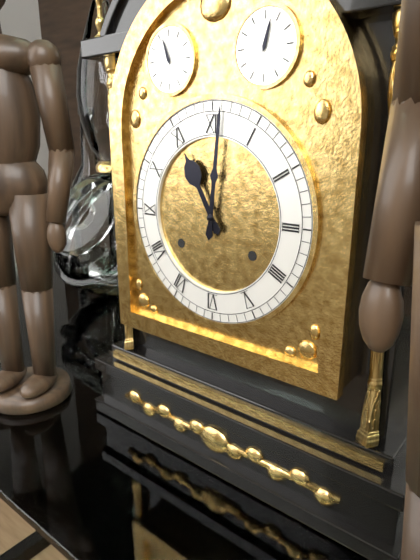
**11:01**
